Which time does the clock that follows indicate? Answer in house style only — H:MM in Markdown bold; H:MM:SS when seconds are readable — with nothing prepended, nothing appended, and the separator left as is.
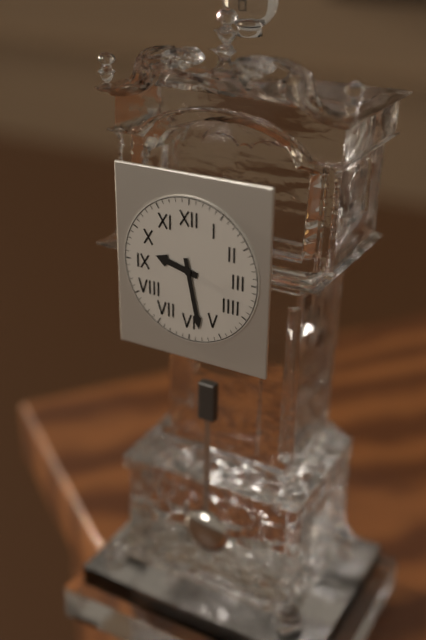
**9:28**
